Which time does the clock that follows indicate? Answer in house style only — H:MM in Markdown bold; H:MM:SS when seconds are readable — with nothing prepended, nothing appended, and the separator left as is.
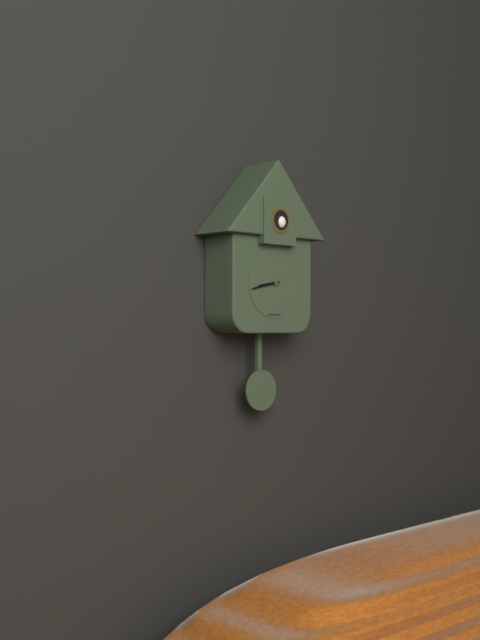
**8:43**
